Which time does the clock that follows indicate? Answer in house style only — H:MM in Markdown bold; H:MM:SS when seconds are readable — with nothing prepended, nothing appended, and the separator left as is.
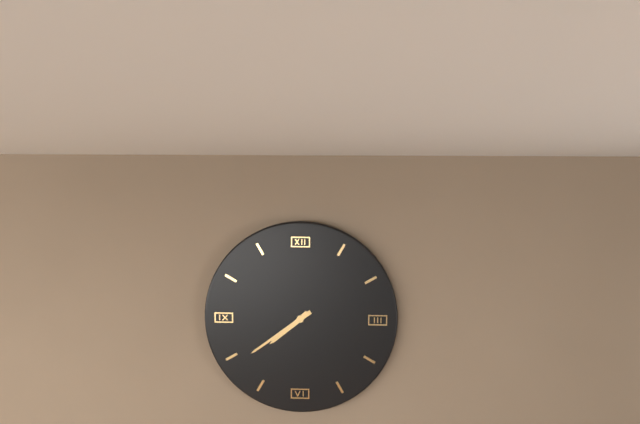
**7:39**
